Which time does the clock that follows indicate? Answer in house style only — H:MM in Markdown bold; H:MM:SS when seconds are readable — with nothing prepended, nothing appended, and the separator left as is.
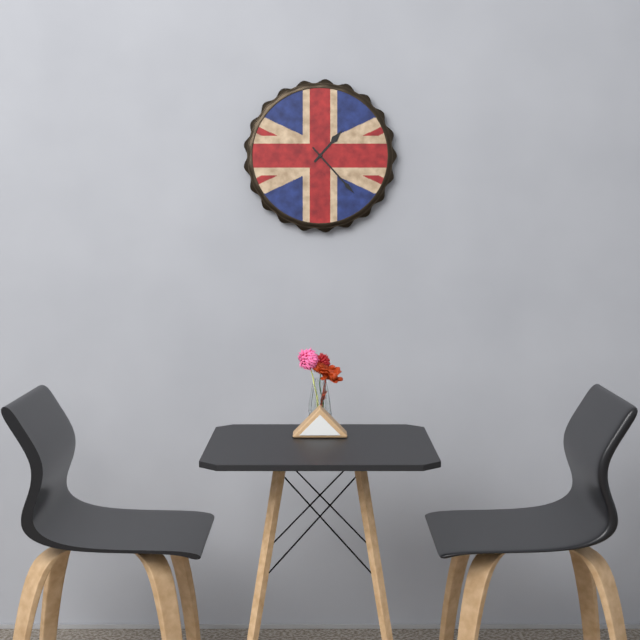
**1:23**
